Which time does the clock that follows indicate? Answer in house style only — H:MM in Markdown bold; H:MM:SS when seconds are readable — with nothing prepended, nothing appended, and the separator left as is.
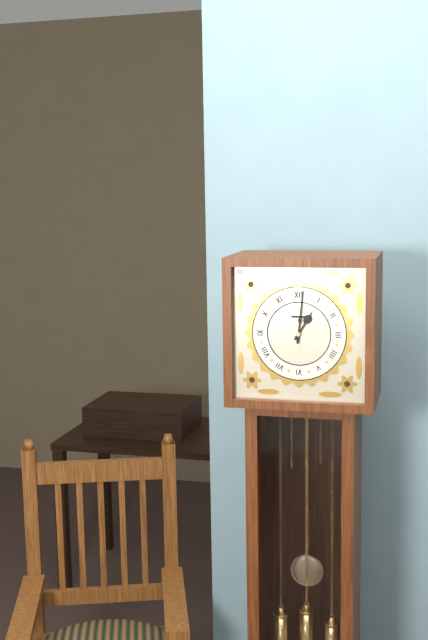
**1:01**
